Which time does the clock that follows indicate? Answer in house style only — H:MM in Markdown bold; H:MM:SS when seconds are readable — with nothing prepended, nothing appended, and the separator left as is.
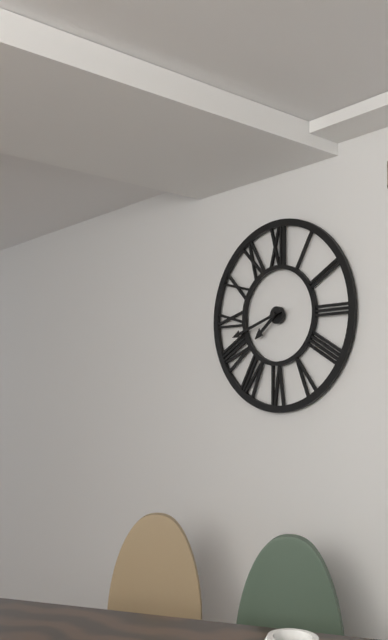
**7:42**
